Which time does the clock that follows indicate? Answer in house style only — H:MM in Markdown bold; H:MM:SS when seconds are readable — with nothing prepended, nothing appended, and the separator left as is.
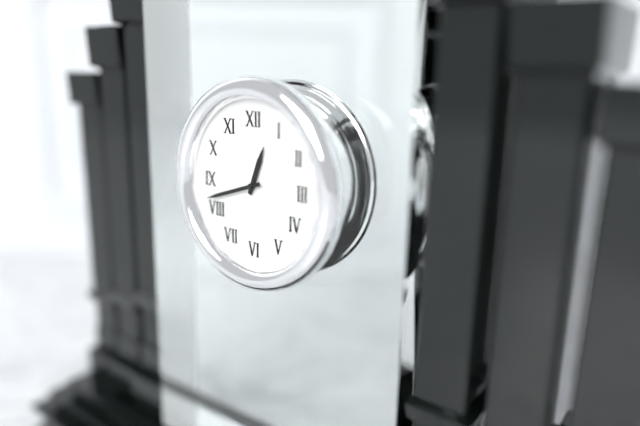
**12:42**
